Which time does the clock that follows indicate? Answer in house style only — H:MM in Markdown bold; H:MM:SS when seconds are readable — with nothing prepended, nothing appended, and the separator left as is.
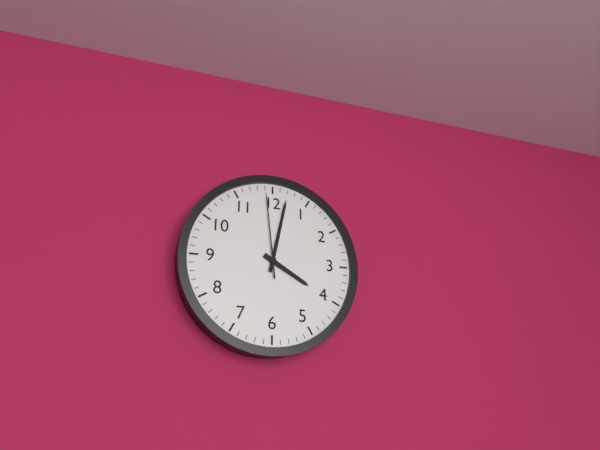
**4:02:59**
